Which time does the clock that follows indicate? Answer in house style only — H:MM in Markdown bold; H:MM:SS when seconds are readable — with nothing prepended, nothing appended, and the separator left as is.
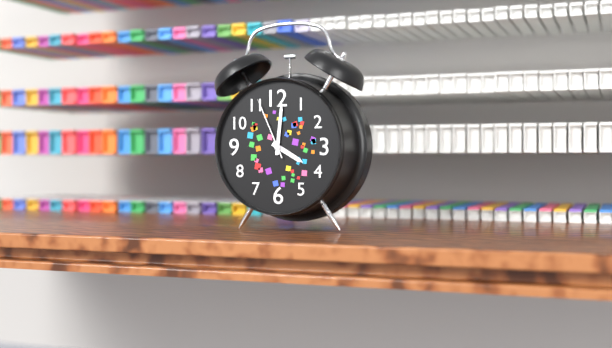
**4:01:56**
